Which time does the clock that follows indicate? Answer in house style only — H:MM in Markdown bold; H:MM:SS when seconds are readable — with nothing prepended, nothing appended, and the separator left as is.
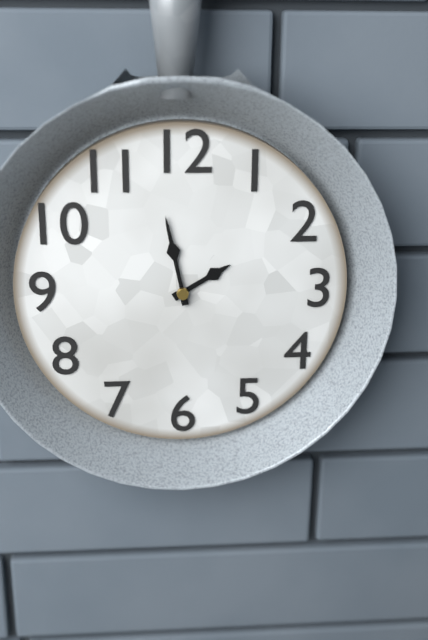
**1:58**
